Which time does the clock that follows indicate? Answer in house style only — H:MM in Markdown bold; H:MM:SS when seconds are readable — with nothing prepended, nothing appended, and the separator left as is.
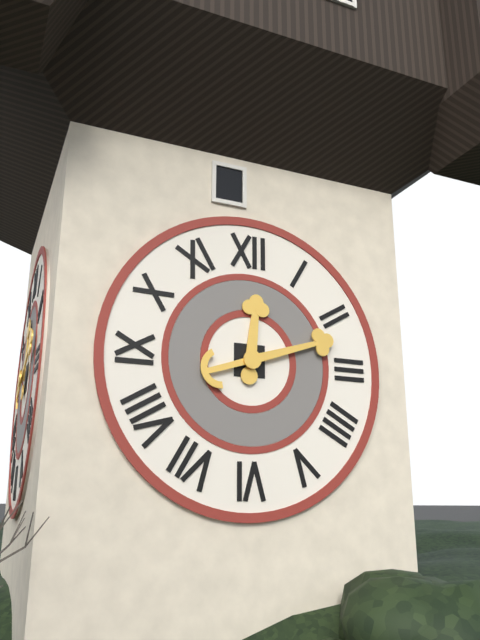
**12:12**
